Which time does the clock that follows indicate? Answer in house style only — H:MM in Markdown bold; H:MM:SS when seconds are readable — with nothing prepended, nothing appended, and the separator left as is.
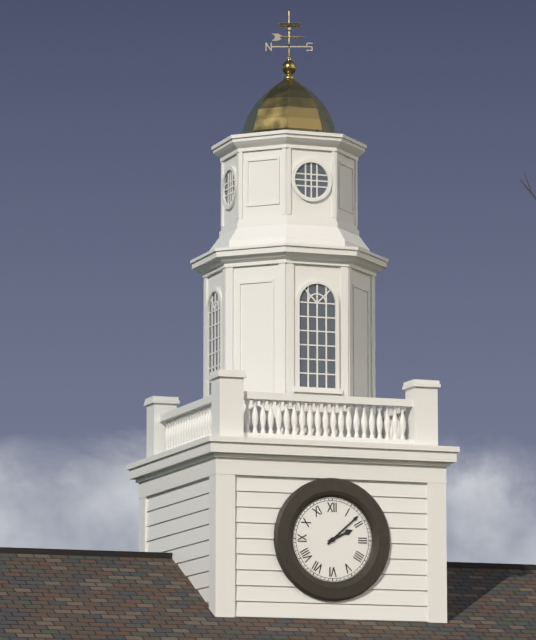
**2:08**
